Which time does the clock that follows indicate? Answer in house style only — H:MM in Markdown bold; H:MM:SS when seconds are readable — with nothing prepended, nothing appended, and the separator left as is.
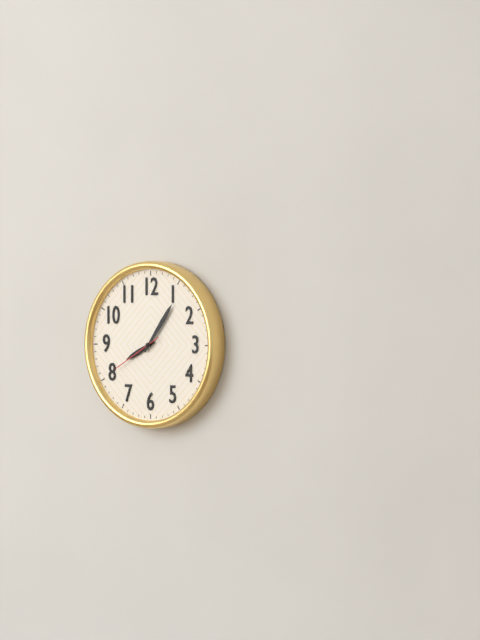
**8:06:40**
